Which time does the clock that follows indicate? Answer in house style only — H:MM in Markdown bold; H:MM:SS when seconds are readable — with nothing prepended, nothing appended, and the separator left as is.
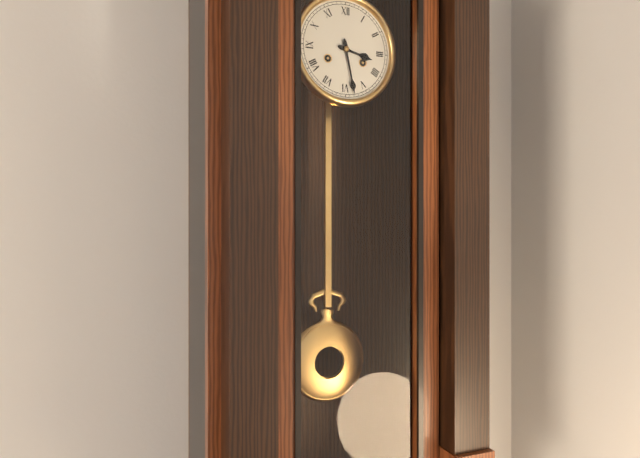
**3:28**
